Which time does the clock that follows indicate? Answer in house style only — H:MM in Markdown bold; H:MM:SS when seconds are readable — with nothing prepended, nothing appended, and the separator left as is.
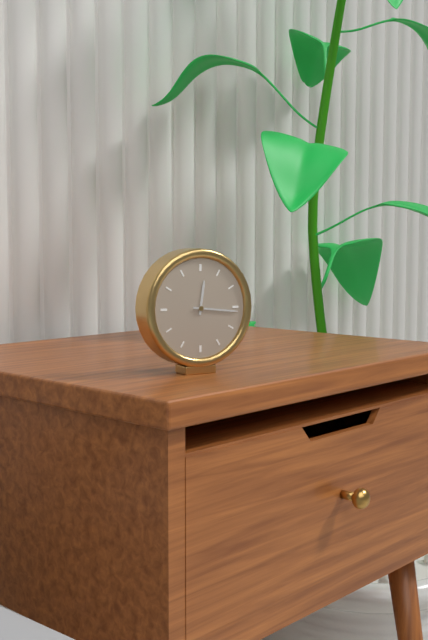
**12:16**
